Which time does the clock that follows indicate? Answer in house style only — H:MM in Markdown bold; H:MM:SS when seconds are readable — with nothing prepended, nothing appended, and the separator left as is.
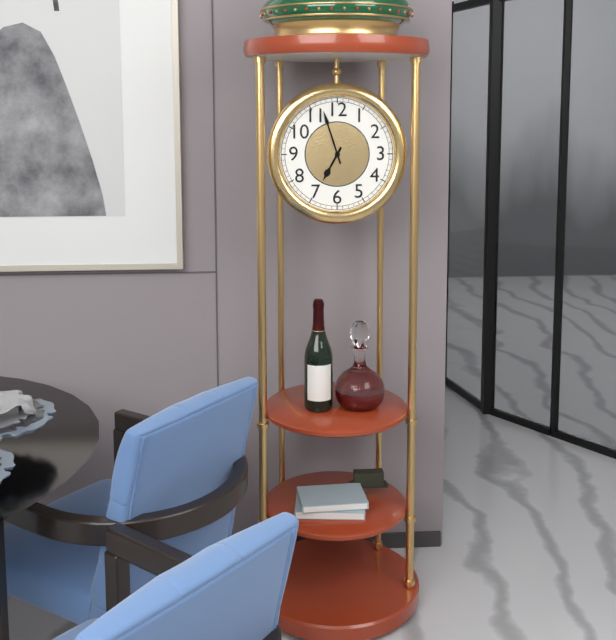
**6:57**
